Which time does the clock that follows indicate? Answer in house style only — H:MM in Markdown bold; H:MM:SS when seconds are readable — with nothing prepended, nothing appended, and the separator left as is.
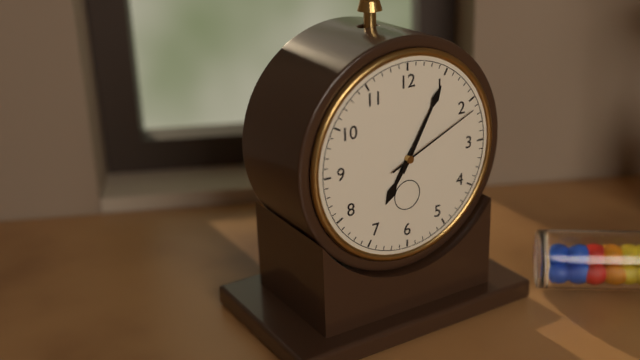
**7:05:11**
